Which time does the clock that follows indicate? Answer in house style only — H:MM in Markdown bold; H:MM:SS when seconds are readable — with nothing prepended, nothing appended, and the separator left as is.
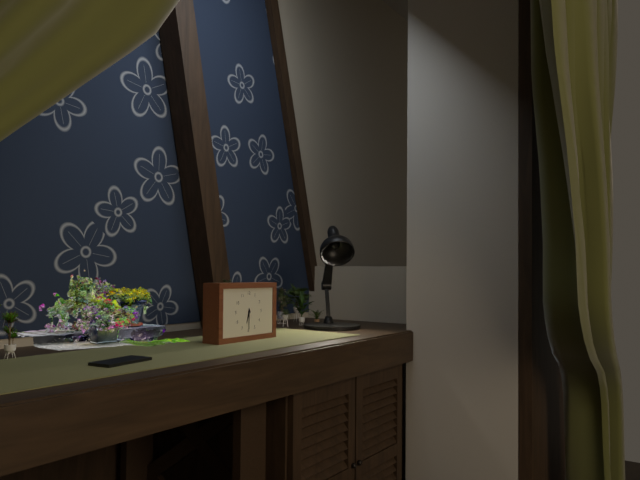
**6:30**
